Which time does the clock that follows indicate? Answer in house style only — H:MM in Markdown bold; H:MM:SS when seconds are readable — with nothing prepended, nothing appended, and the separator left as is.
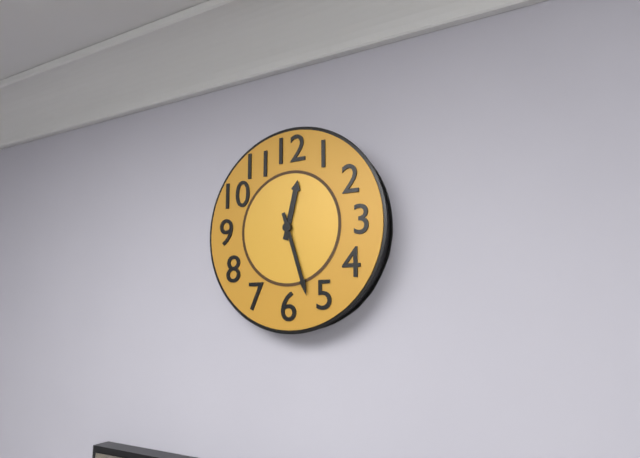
**12:27**
